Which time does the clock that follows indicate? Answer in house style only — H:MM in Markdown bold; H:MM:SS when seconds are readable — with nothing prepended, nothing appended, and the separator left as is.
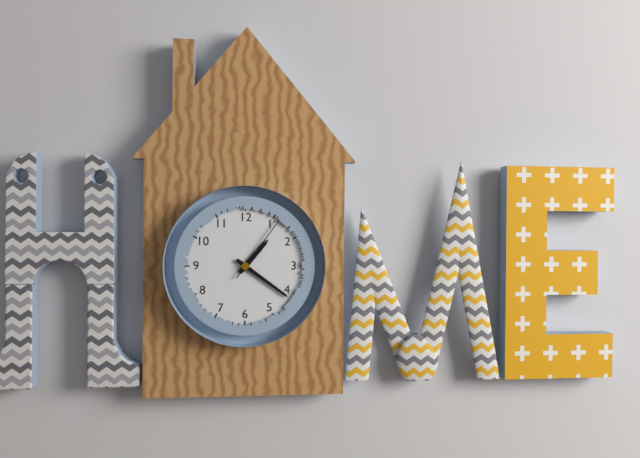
**1:21:06**
